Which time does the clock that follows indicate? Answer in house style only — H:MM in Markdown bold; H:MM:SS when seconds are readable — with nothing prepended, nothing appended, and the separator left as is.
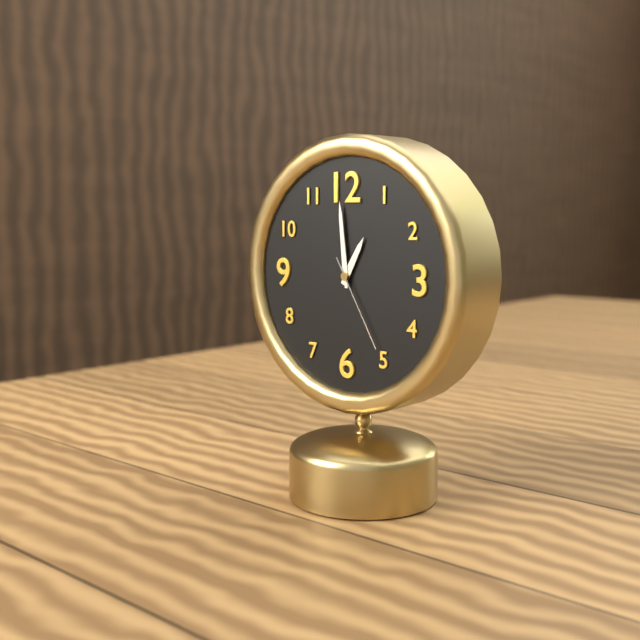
**12:59:25**
